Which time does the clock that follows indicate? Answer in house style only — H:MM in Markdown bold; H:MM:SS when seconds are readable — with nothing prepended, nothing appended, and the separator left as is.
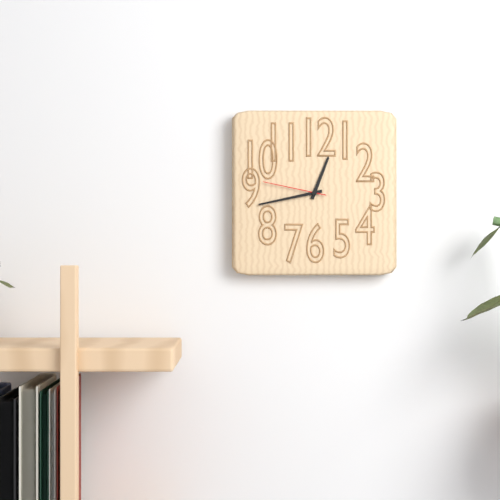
**12:43:47**
